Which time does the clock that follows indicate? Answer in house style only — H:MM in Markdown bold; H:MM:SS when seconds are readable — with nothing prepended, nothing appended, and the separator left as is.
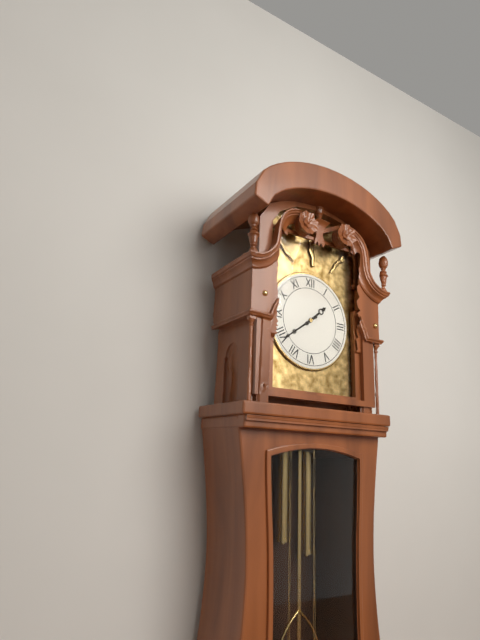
**1:39**
